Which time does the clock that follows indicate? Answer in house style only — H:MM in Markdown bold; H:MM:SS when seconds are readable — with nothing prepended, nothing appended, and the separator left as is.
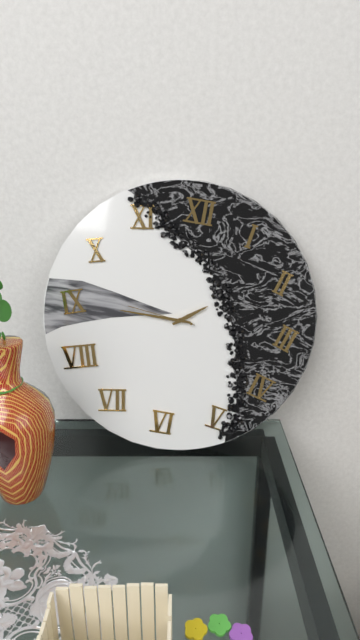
**1:45:46**
